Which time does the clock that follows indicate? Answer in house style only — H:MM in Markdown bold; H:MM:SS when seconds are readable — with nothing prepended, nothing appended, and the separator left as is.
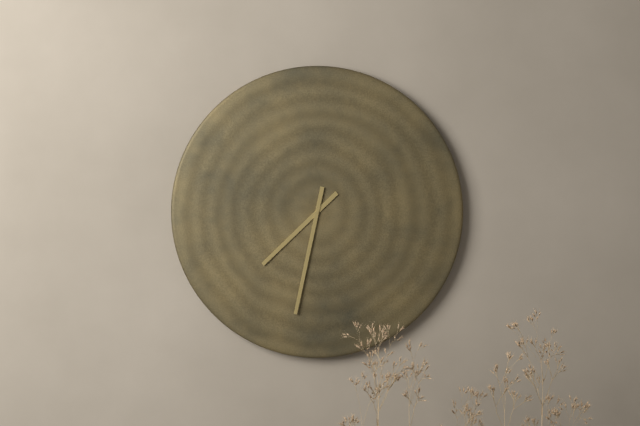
**7:32**
